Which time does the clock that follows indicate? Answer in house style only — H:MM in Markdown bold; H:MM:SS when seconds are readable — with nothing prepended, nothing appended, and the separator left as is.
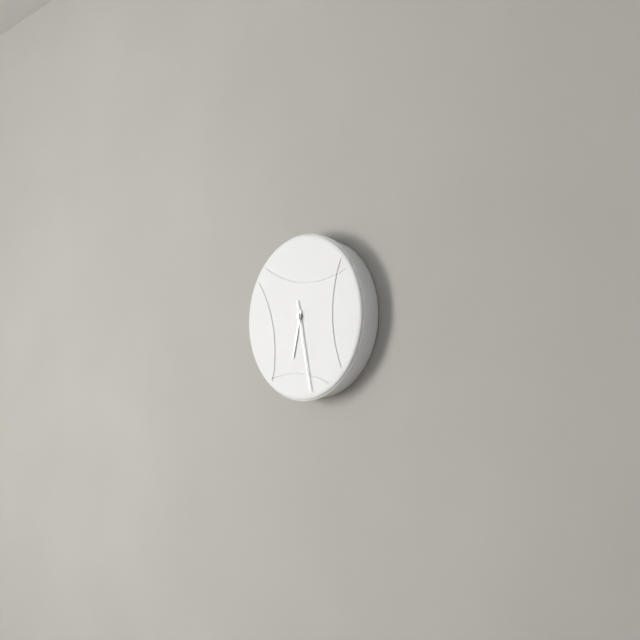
**6:28**
